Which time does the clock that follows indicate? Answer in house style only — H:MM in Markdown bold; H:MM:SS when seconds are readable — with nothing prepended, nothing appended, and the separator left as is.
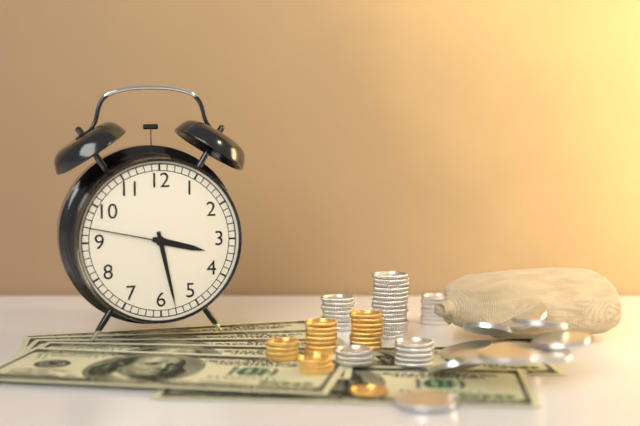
**3:28:47**
